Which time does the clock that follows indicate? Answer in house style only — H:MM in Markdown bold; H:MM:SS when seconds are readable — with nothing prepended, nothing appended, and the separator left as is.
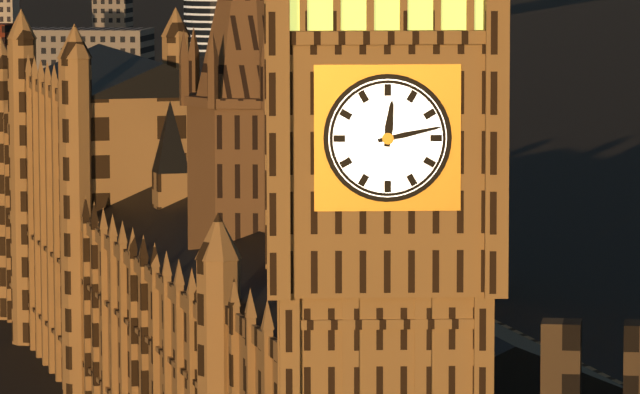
**12:13**
